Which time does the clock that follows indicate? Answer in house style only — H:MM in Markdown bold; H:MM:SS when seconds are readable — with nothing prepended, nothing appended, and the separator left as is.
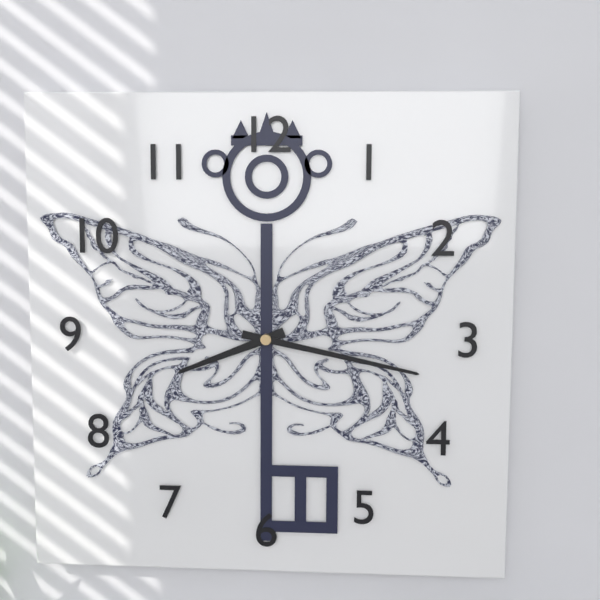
**8:17**
